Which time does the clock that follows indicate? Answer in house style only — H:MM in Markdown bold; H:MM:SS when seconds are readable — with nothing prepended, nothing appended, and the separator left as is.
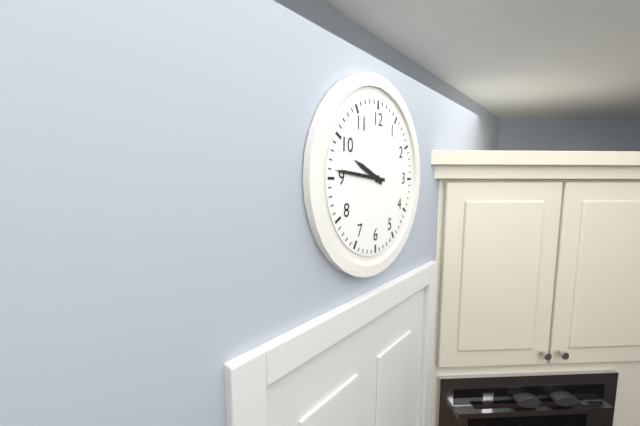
**9:46**
